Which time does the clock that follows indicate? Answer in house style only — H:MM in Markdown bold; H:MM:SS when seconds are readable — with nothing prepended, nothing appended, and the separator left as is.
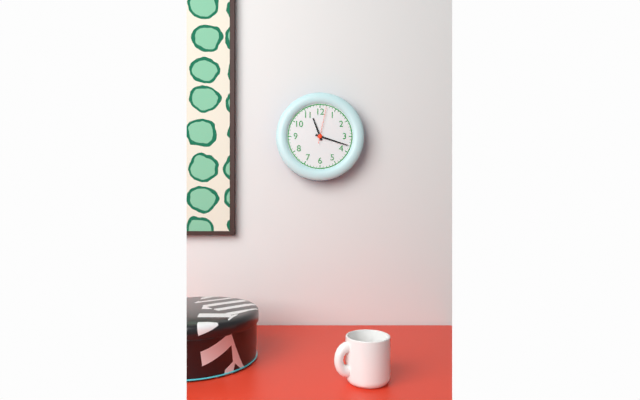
**11:18**
